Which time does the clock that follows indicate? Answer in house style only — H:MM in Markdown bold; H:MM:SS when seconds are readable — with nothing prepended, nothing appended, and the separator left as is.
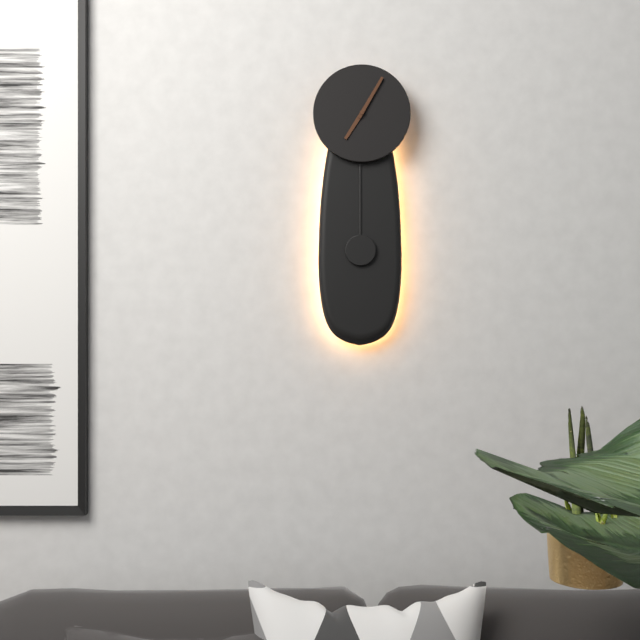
**7:05**
